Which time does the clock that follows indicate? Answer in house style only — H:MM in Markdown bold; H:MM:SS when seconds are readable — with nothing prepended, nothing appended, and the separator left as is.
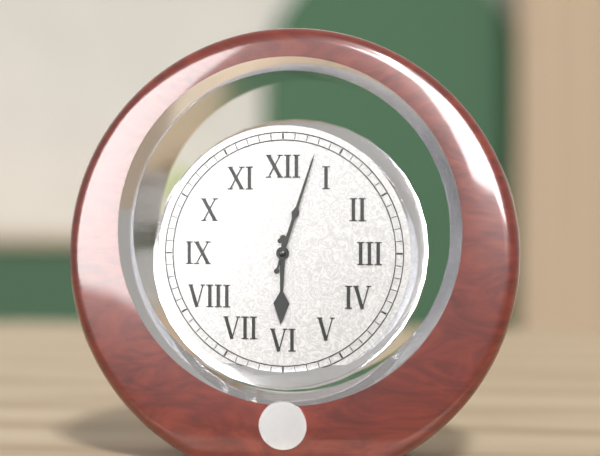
**6:03**
